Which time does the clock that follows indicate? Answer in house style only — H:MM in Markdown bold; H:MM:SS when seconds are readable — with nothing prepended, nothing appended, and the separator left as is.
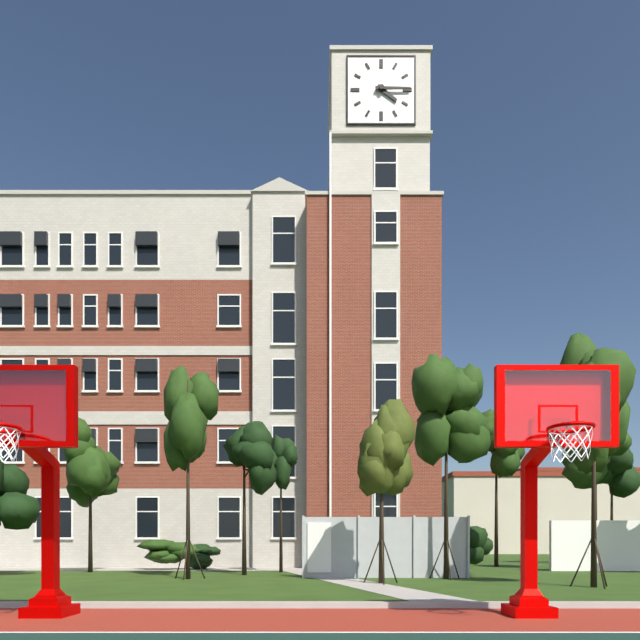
**4:15**
